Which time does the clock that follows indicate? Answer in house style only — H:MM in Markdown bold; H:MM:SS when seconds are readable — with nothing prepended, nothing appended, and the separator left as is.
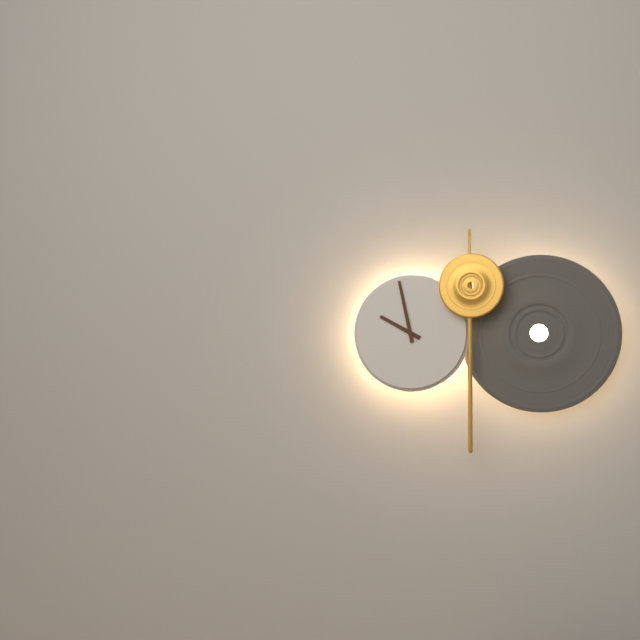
**9:58**
